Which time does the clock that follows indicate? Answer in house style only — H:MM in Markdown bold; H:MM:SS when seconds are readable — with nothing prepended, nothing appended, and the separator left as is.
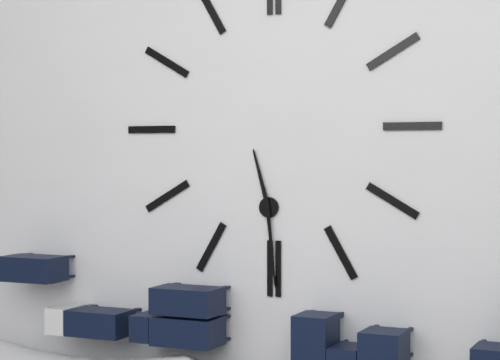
**11:29**
